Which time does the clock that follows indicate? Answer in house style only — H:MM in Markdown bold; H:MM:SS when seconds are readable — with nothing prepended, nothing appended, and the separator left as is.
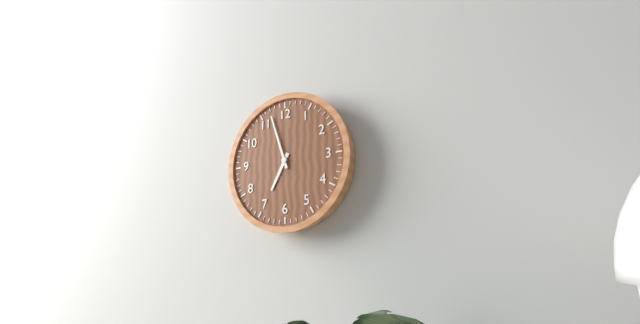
**6:57**
